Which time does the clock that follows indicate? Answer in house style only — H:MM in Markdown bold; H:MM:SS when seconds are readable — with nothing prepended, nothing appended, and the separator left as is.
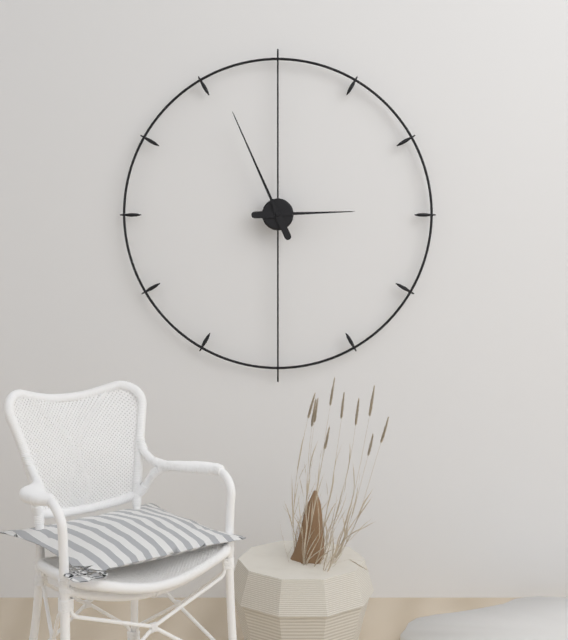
**2:56**
